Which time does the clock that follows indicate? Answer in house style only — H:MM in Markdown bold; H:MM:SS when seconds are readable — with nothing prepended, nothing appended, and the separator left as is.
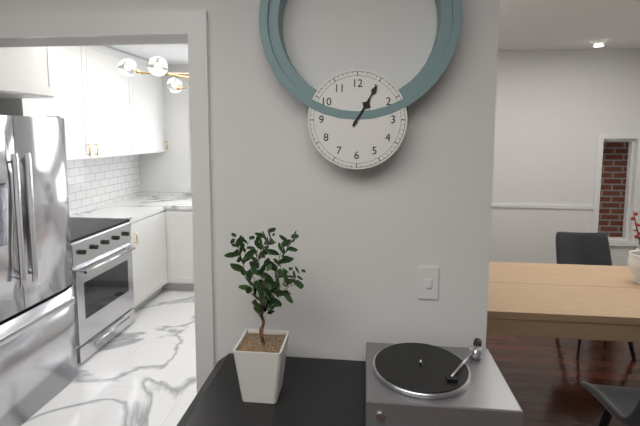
**1:05**
